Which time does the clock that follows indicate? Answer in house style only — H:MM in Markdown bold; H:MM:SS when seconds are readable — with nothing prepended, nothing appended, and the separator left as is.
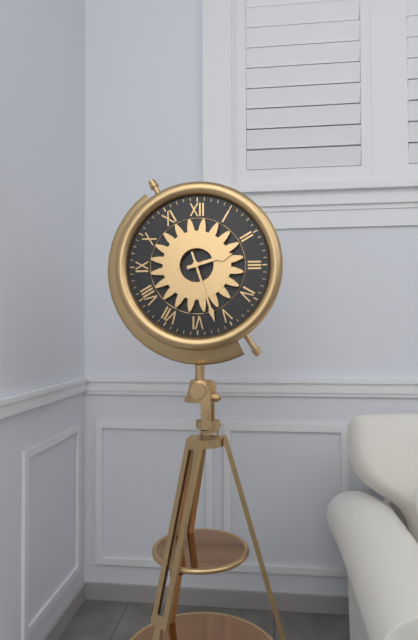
**2:27**
